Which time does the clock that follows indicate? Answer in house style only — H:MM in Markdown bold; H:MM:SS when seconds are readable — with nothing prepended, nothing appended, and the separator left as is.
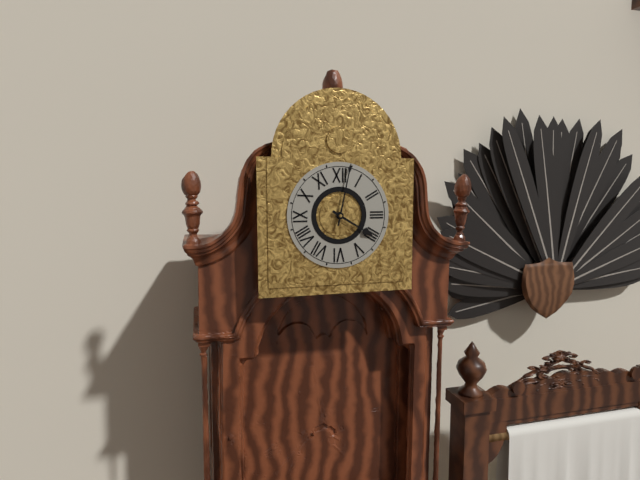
**4:02**
